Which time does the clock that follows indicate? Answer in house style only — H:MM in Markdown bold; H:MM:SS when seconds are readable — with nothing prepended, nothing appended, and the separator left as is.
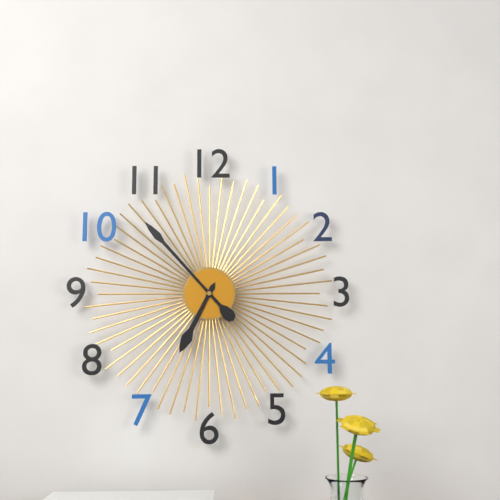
**6:53**
